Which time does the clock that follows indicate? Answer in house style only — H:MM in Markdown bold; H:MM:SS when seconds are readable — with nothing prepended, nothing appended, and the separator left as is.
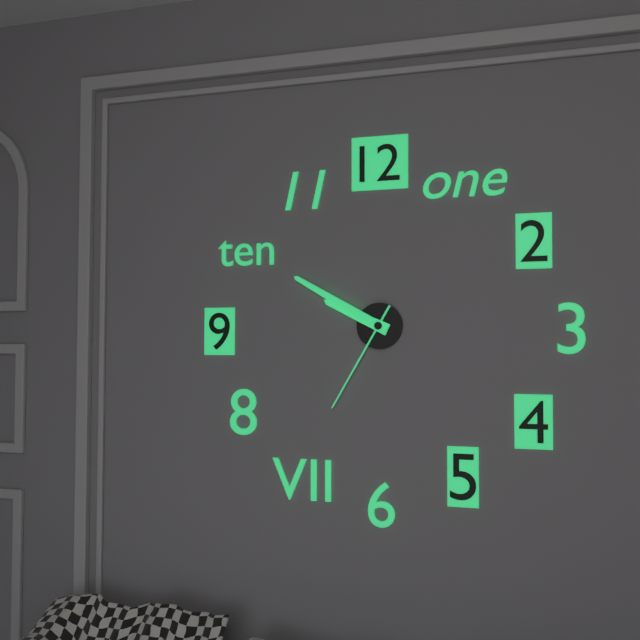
**9:50:35**
